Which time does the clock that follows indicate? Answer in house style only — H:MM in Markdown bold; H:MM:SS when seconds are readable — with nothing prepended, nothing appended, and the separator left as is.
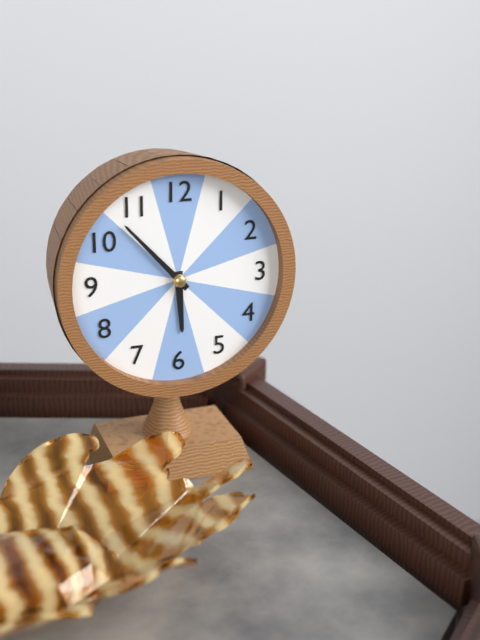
**5:53**
